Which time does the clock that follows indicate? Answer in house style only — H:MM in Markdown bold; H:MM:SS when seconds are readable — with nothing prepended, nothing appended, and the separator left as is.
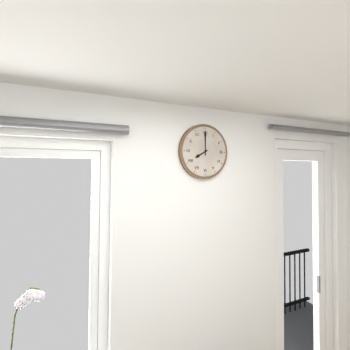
**8:00**
